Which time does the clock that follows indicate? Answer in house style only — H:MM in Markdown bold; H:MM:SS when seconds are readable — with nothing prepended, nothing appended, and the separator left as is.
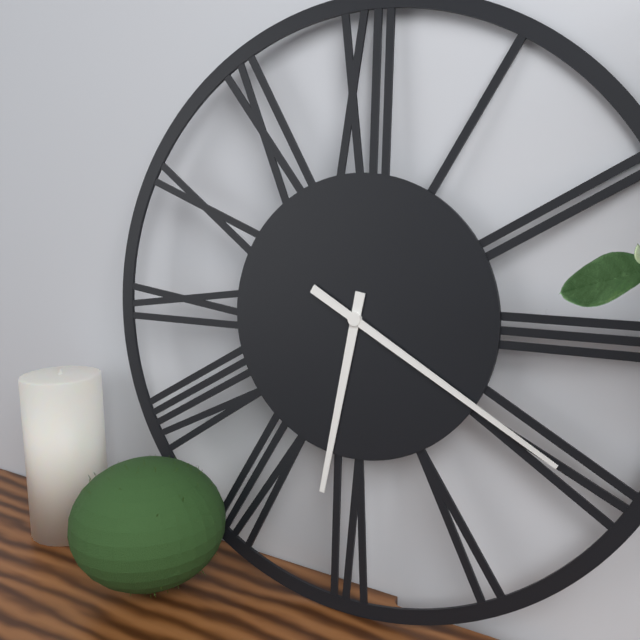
**6:20**
